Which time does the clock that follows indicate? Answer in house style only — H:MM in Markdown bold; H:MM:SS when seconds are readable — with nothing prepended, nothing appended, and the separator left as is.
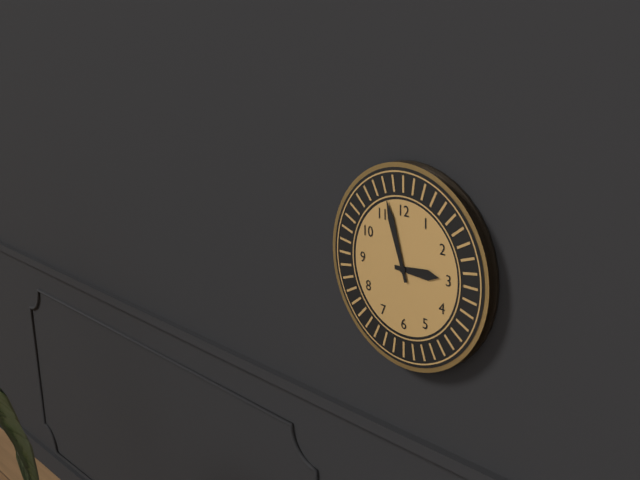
**2:57**
